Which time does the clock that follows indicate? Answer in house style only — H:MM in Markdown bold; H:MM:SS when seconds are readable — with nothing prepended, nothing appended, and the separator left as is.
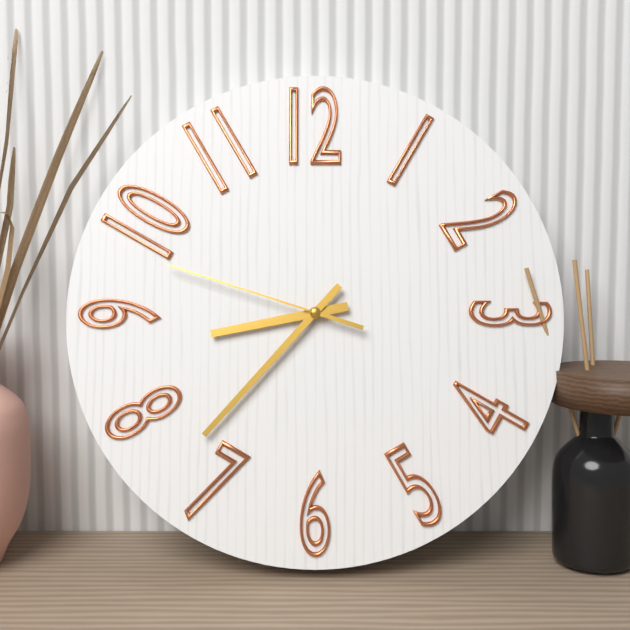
**8:37:48**
